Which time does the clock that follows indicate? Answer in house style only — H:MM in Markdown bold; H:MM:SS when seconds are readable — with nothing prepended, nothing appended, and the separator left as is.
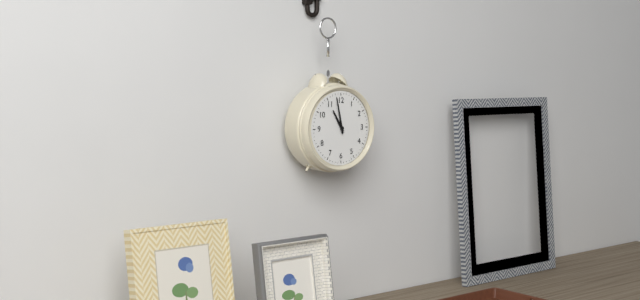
**10:58**
